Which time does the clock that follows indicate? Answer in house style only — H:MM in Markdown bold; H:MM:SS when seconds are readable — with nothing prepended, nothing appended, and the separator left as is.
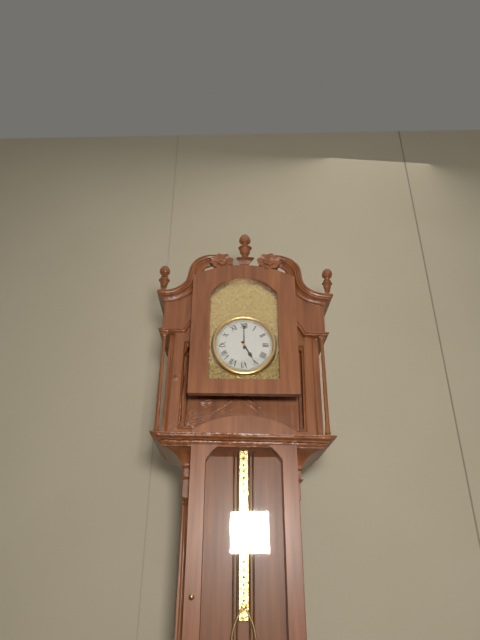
**5:00**
